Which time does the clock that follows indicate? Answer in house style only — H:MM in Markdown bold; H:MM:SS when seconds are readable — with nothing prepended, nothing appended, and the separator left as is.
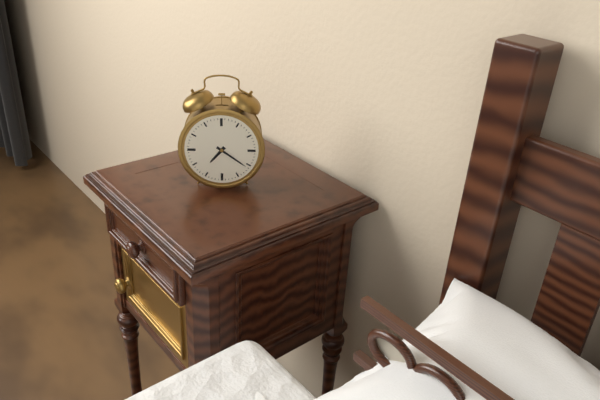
**7:21**
